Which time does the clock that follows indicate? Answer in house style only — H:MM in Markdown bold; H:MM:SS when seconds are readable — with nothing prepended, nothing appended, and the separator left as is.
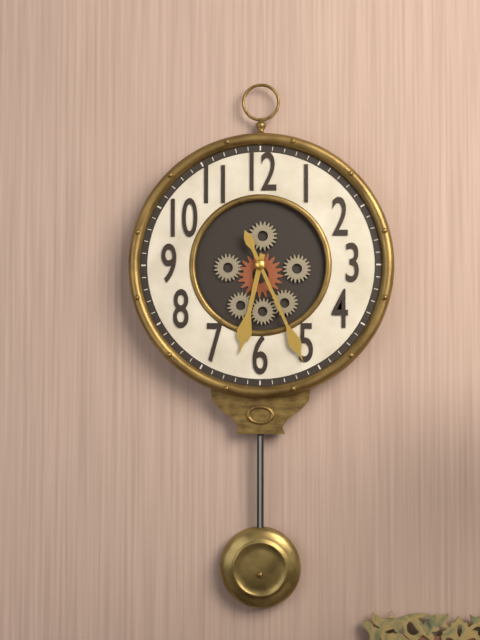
**6:26**
